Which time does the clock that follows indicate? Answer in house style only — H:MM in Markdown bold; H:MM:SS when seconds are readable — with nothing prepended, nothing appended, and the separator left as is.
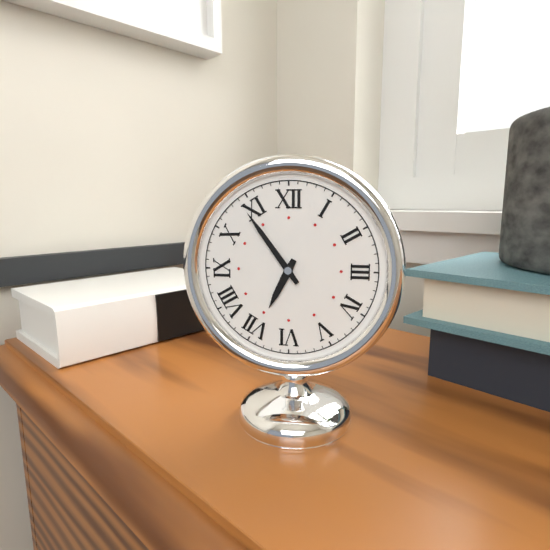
**6:54**
